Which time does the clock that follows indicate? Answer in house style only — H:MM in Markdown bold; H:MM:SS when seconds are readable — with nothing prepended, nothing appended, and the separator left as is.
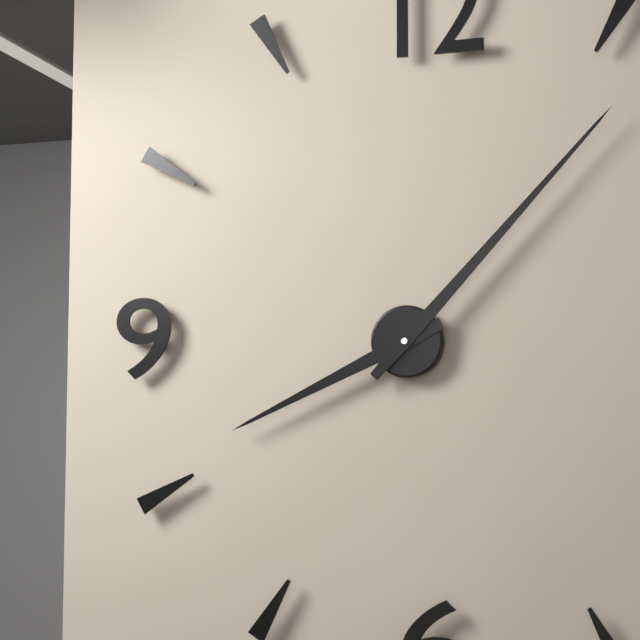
**8:07**
